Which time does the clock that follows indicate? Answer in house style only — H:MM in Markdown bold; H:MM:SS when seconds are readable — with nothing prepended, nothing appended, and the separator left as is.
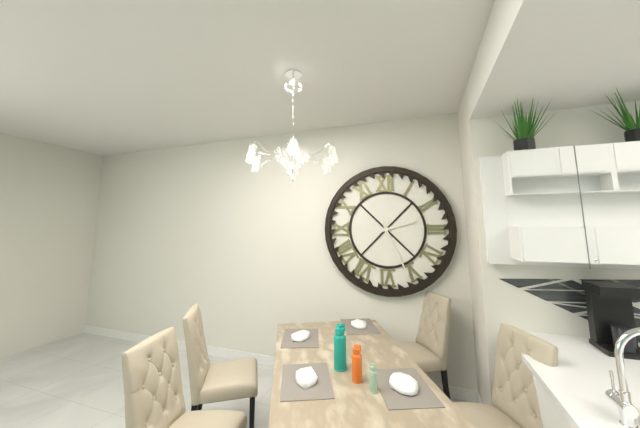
**2:26**
